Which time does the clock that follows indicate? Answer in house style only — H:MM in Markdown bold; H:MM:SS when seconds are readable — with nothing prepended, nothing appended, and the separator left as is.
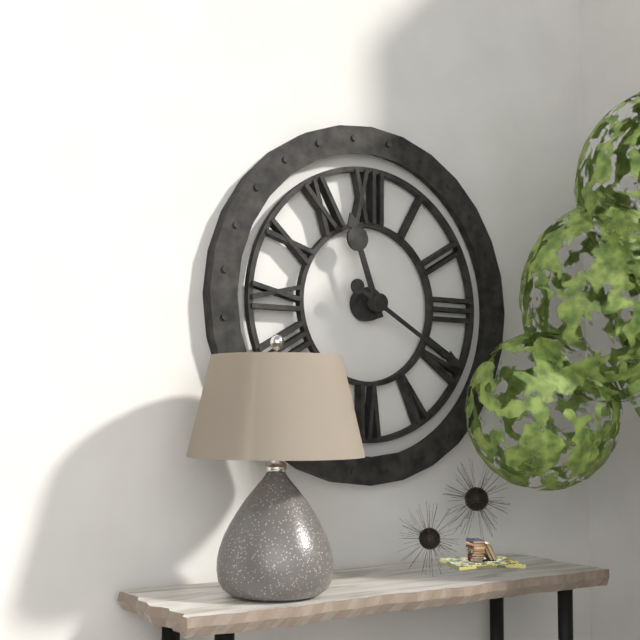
**11:20**
